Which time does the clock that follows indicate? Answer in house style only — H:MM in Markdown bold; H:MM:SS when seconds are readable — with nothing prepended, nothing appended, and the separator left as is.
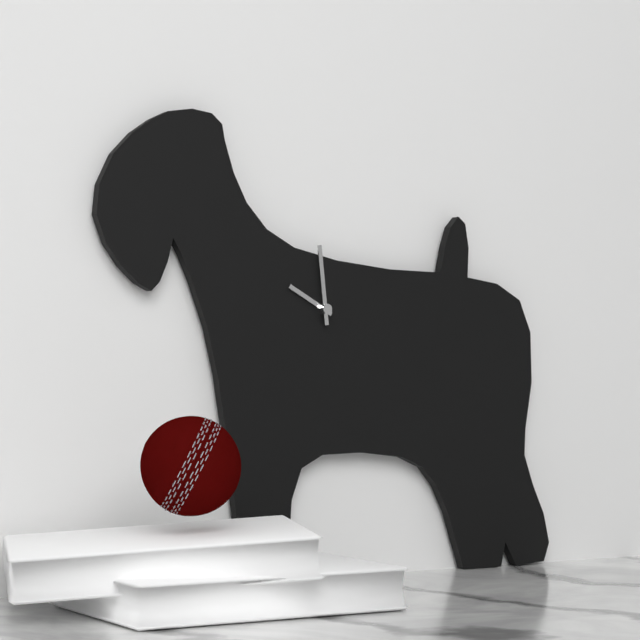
**9:59**
